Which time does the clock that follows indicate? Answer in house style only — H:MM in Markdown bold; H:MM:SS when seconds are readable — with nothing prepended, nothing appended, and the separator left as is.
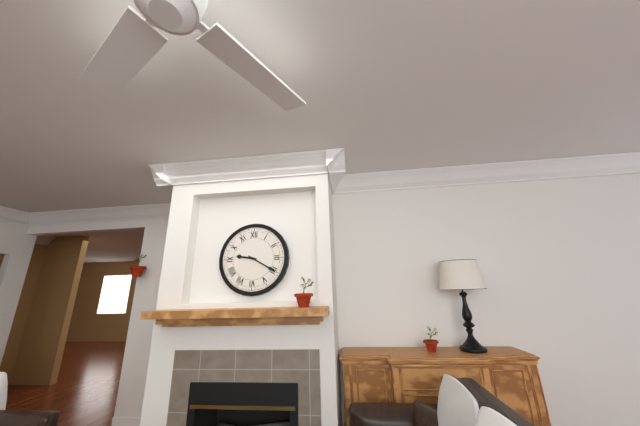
**9:20**
